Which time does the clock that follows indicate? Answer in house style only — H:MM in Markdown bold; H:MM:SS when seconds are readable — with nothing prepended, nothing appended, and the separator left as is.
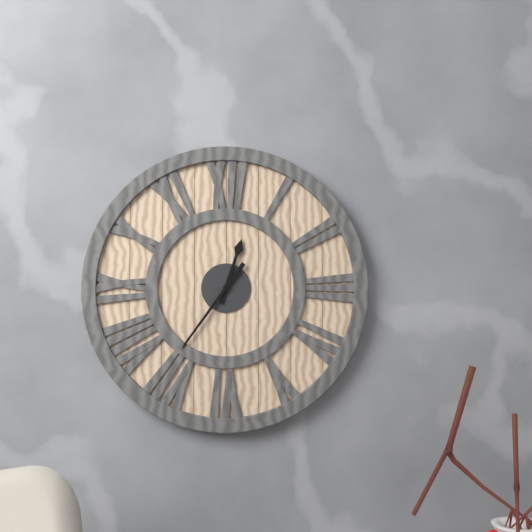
**12:36**
